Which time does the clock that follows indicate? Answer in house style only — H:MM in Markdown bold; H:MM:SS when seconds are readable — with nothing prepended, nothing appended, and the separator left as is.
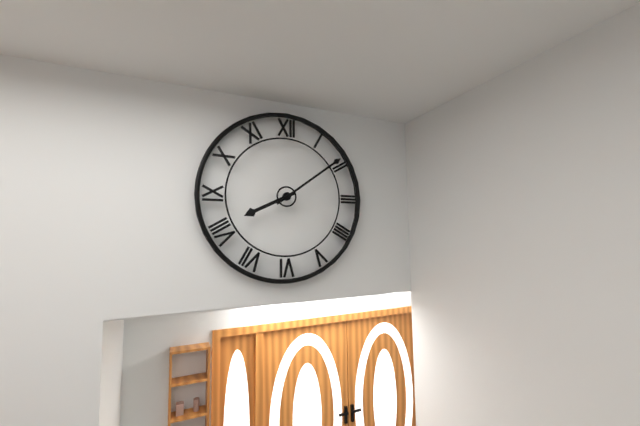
**8:09**
